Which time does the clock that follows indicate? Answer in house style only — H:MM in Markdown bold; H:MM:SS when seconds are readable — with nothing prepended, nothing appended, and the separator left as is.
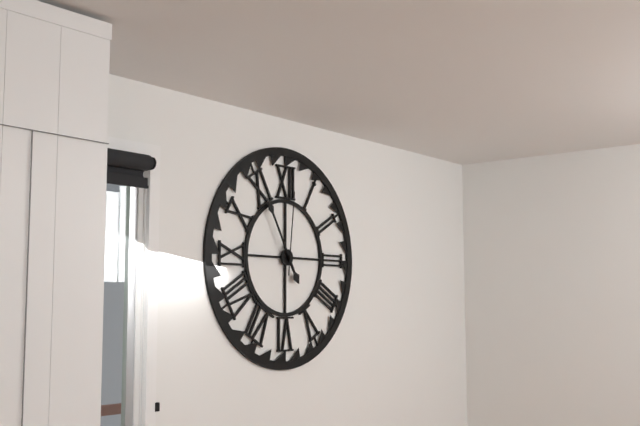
**4:55:01**
